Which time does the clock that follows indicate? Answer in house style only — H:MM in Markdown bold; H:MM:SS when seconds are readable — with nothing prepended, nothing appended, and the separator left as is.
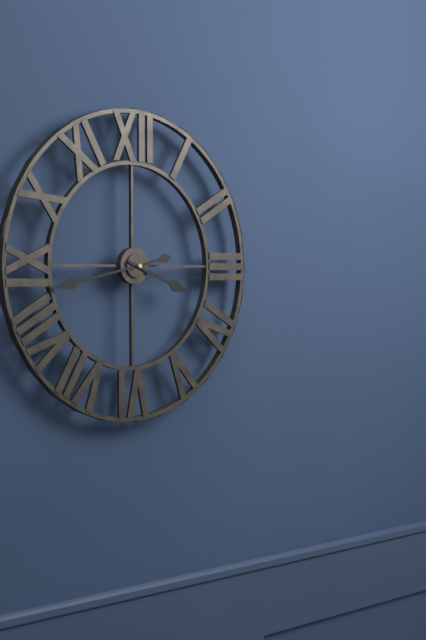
**3:43**
